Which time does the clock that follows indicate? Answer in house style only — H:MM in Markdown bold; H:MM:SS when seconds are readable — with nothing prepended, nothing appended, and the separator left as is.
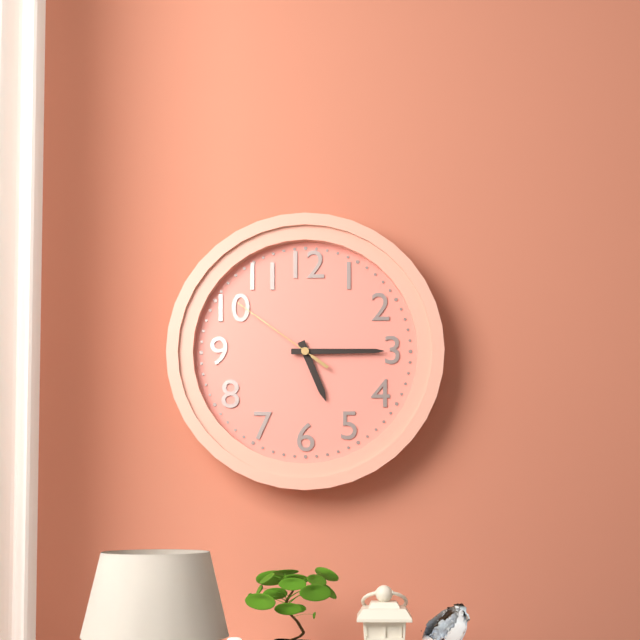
**5:15:51**
